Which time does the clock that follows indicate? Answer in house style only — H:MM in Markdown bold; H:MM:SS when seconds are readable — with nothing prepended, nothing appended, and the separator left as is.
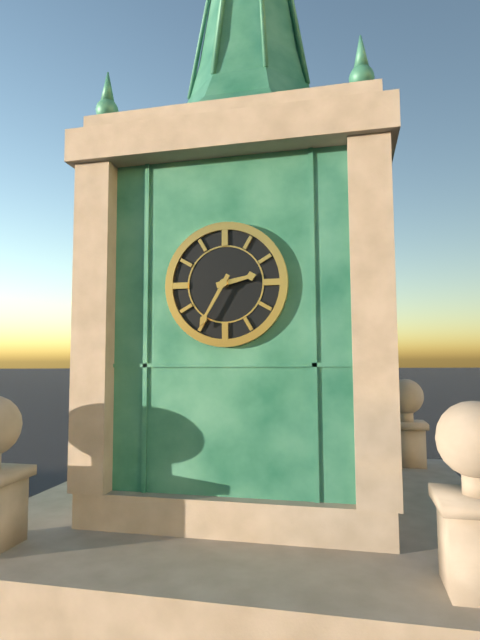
**2:35**
